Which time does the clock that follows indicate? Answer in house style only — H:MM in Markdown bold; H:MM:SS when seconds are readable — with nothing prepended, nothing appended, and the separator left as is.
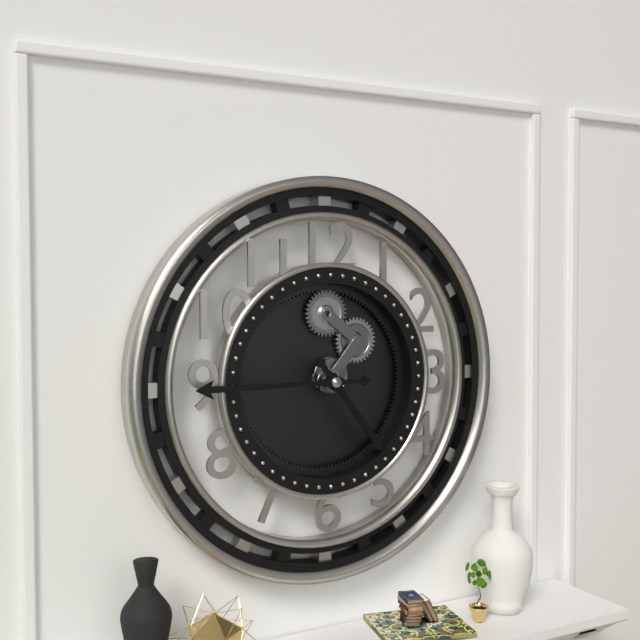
**4:45**
